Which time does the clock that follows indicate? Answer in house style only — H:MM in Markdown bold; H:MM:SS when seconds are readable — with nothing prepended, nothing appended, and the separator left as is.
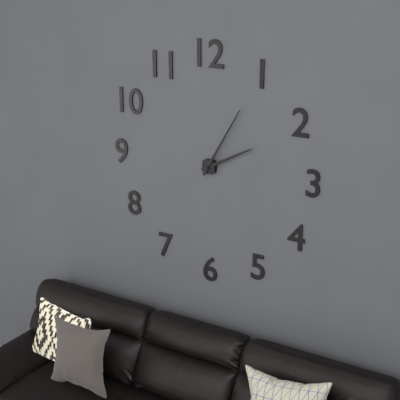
**2:05**
